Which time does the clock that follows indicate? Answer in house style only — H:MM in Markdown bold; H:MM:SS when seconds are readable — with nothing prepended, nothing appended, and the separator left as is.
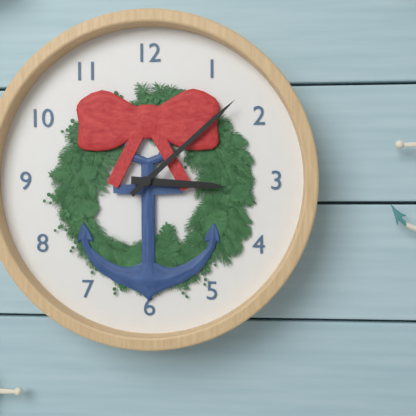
**3:08**
